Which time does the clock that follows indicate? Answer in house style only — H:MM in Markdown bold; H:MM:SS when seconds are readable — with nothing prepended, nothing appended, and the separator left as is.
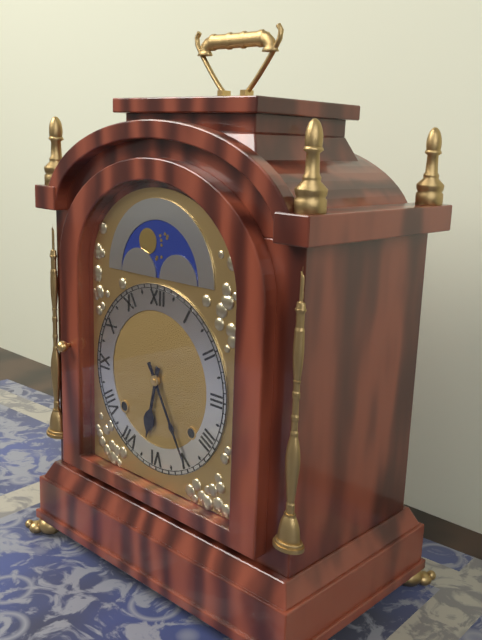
**6:25**
